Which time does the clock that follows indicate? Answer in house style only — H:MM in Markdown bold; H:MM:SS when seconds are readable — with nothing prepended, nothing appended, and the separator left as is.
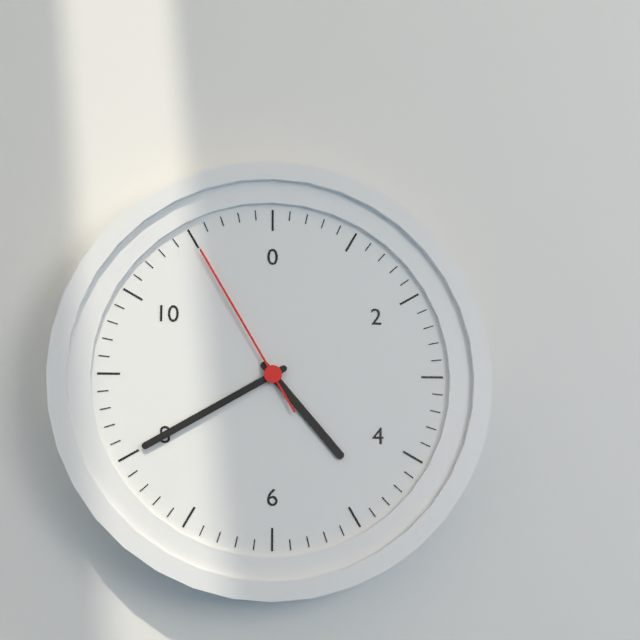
**4:40:55**
